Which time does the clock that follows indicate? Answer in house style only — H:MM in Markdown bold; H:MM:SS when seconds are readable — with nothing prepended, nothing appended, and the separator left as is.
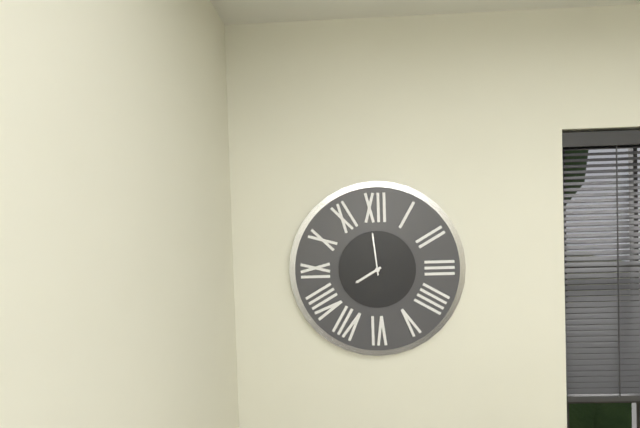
**7:59**
